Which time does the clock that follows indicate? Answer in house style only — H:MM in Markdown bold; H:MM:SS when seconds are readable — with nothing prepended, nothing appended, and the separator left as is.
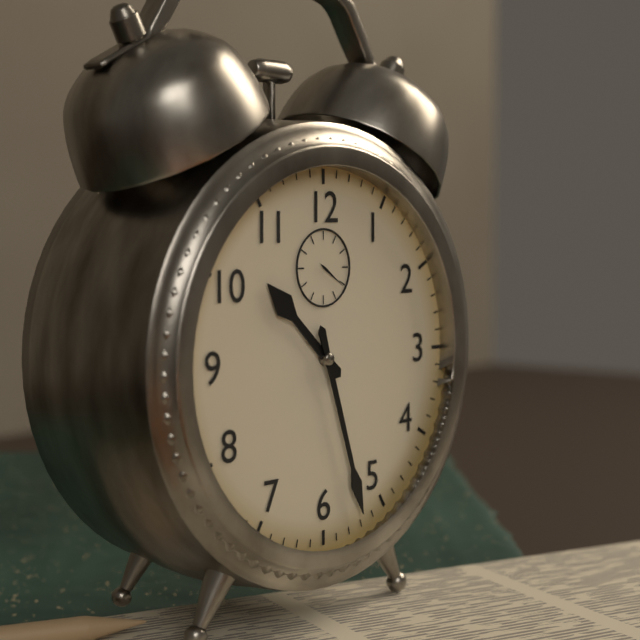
**10:27**
